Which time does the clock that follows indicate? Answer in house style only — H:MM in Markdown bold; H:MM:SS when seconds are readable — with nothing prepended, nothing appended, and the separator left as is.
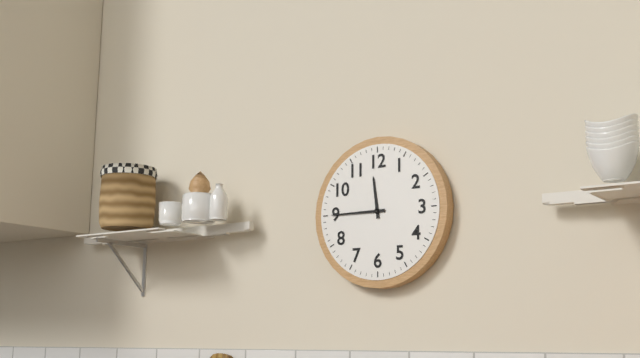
**11:45**
